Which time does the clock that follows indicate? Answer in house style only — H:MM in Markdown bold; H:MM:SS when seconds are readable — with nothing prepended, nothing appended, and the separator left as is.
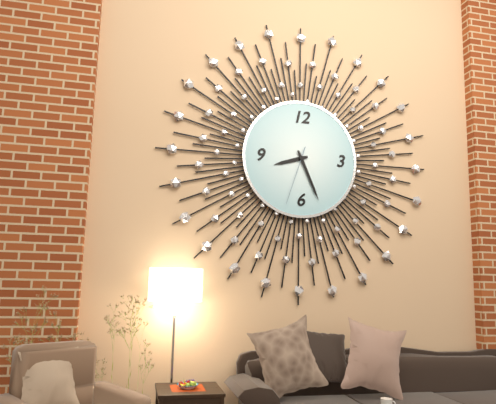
**8:26:33**
